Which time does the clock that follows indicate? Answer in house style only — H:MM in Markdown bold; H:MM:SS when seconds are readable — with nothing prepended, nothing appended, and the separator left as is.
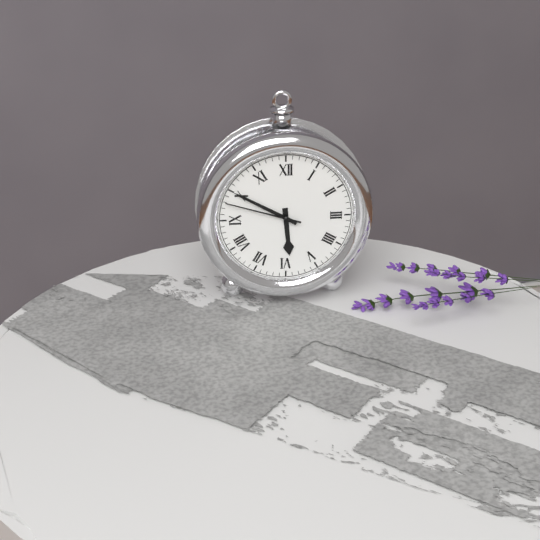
**5:50:48**
